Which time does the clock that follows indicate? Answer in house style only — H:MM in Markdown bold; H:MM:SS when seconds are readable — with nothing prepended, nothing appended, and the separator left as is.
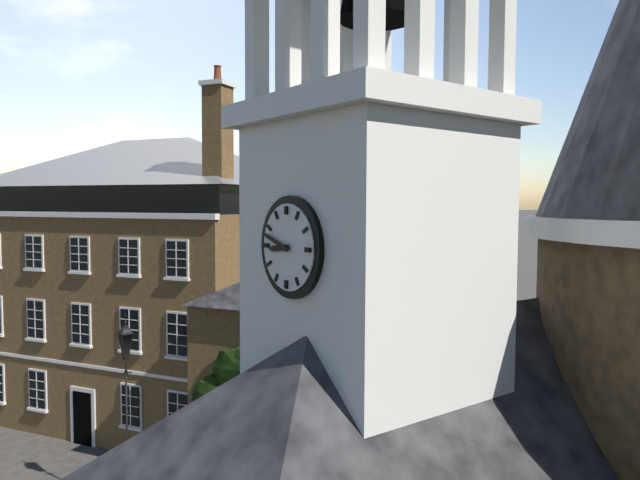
**8:48**
